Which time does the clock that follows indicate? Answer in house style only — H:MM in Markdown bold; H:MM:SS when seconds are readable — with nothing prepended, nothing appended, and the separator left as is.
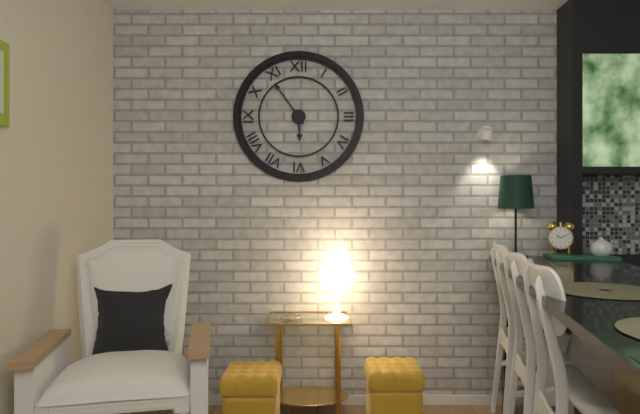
**5:54**
